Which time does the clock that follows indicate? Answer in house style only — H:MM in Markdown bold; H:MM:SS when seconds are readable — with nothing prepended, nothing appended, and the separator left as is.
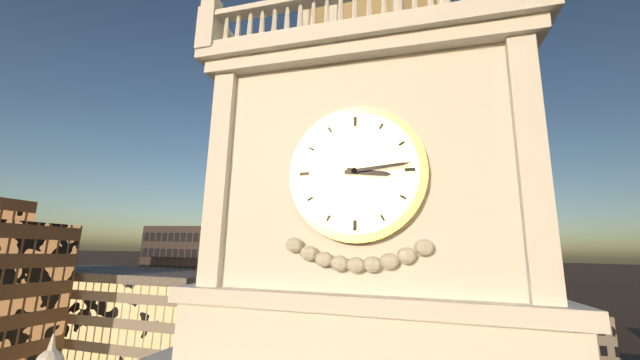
**3:14**
